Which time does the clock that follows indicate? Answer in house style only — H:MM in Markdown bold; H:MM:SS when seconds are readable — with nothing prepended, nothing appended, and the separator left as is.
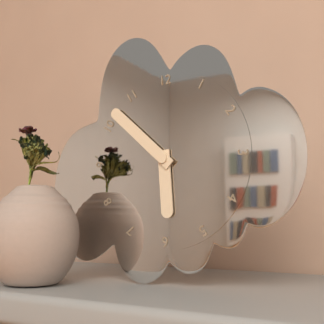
**5:52**
